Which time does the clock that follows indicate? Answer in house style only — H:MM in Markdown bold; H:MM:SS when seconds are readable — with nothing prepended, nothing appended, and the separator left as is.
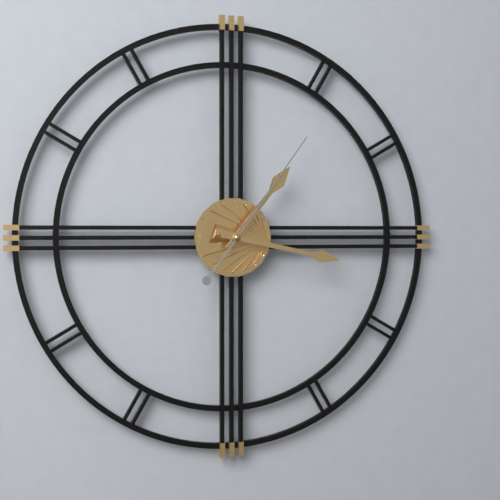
**1:17:06**
